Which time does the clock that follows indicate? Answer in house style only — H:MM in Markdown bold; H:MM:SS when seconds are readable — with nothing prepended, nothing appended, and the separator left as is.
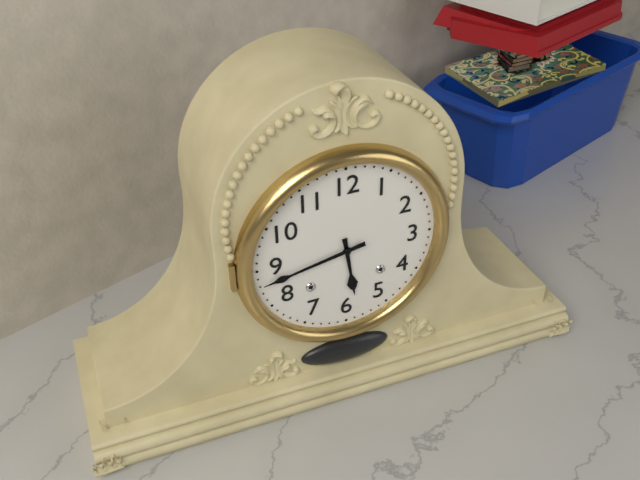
**5:43**
